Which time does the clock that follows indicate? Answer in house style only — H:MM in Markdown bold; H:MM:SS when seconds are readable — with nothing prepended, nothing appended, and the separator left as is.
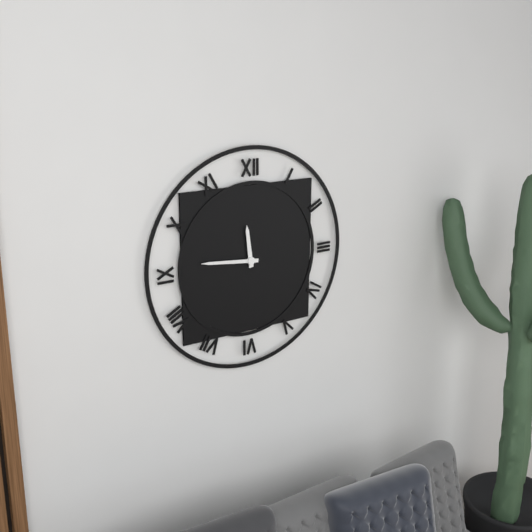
**11:46**
